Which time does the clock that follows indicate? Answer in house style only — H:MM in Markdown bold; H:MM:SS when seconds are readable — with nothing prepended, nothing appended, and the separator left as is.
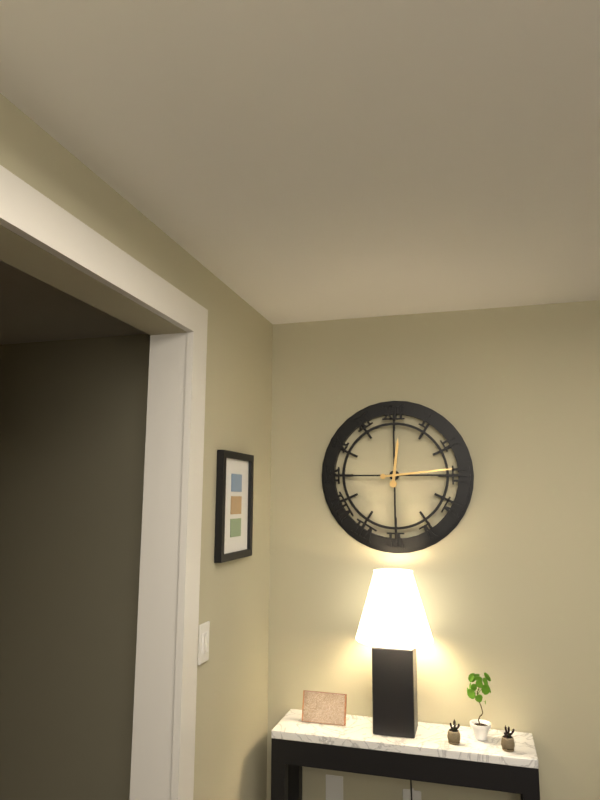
**12:14**
